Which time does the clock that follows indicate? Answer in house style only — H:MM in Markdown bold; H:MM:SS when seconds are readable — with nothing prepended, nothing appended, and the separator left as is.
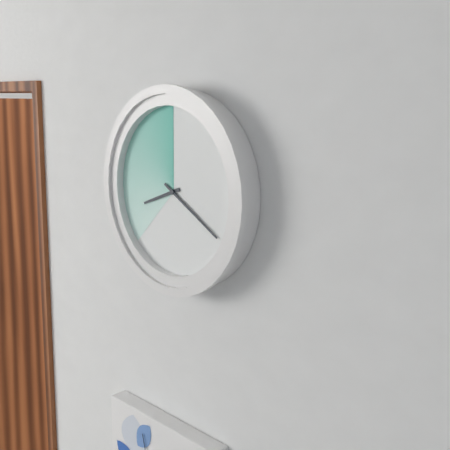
**8:20**
